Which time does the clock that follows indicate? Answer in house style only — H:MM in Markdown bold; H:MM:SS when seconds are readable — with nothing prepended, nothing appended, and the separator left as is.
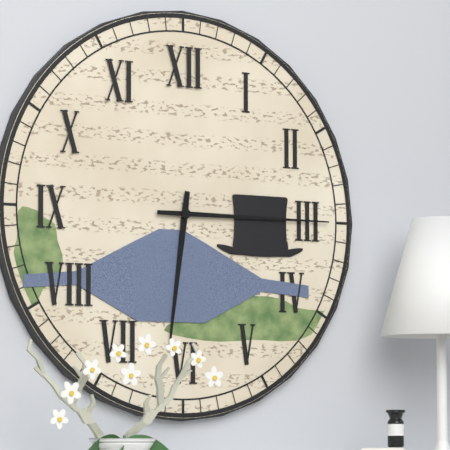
**6:15**
